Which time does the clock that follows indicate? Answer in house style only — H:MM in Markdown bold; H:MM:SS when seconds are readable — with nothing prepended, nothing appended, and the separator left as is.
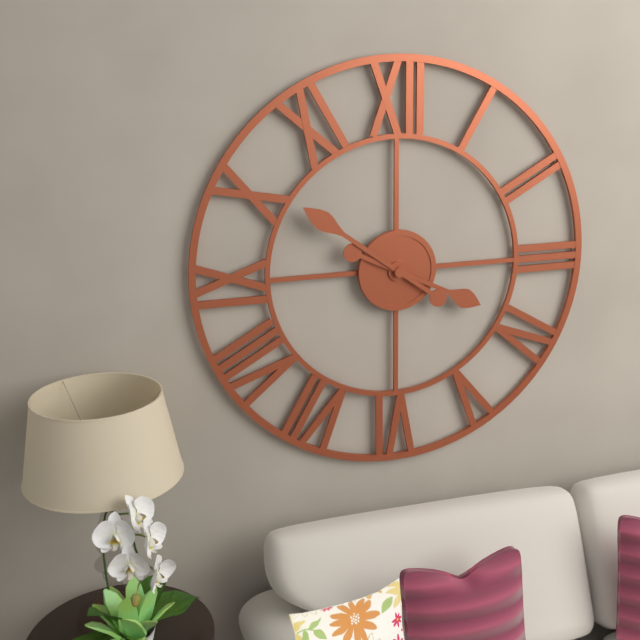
**3:51**
